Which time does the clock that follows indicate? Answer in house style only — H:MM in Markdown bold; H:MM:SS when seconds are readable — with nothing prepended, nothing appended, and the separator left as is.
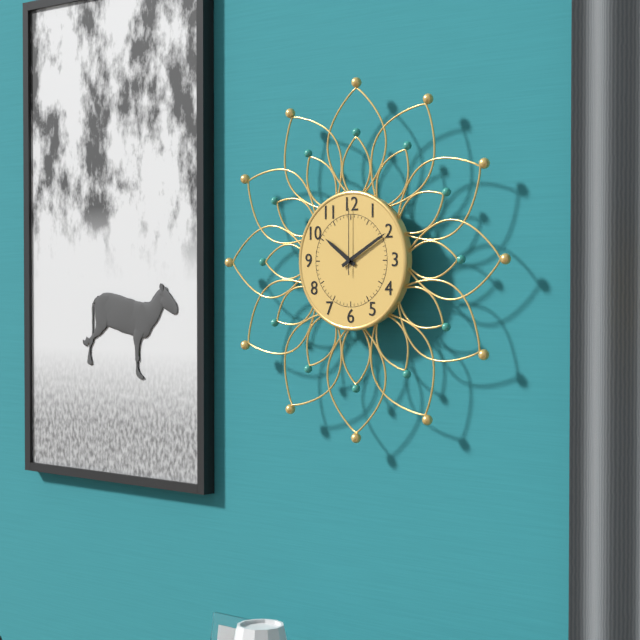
**10:10:00**
